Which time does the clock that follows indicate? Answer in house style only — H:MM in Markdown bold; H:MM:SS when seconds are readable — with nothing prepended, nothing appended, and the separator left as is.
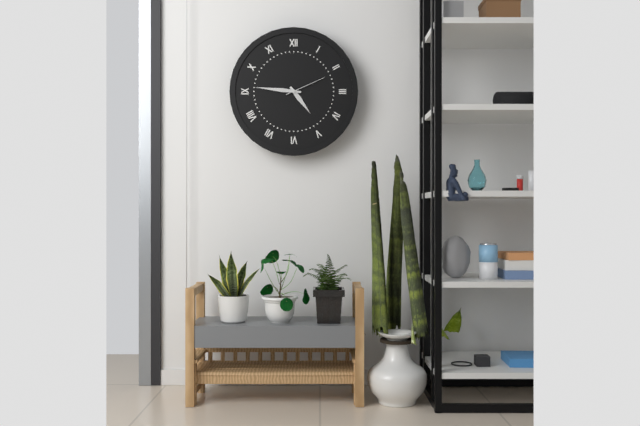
**4:46**
